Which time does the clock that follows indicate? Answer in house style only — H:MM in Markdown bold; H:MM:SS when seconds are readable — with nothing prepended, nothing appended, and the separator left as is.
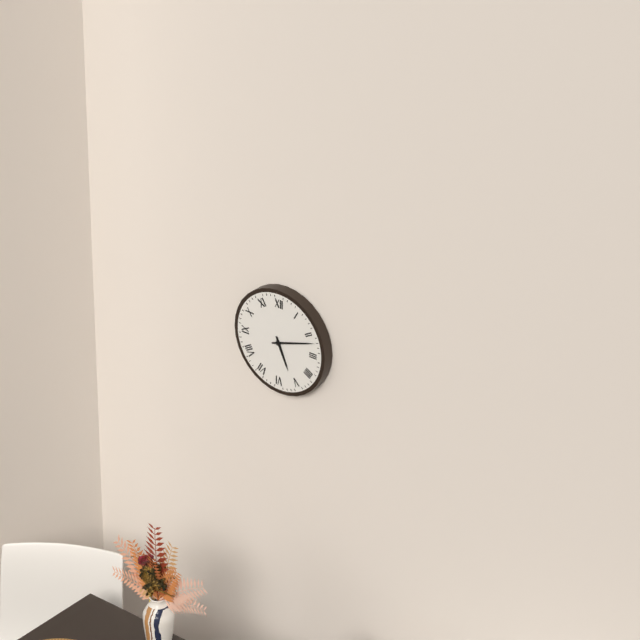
**5:12**
